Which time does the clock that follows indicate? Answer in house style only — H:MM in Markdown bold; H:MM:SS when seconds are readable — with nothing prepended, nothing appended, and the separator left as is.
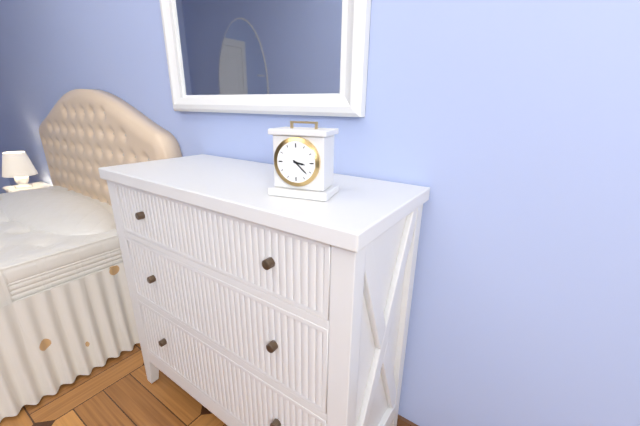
**3:22**
